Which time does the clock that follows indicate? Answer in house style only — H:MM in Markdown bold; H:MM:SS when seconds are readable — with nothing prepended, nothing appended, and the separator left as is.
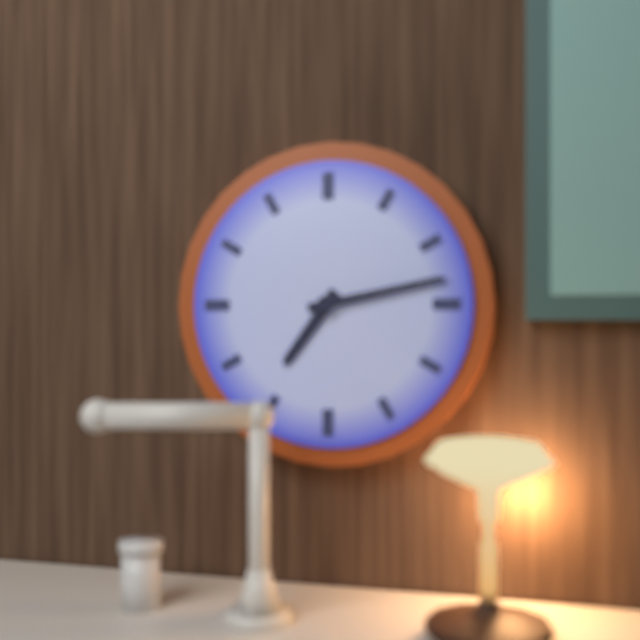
**7:13**
